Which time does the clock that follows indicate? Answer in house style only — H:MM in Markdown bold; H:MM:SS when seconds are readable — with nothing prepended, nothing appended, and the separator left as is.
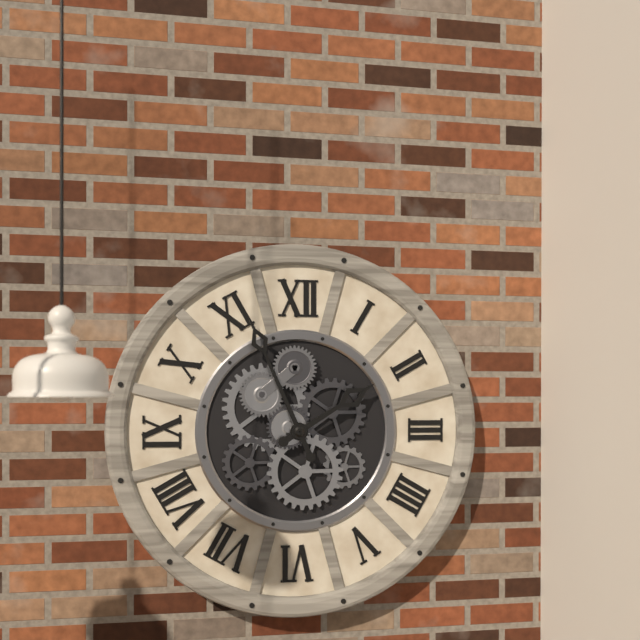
**1:56**
